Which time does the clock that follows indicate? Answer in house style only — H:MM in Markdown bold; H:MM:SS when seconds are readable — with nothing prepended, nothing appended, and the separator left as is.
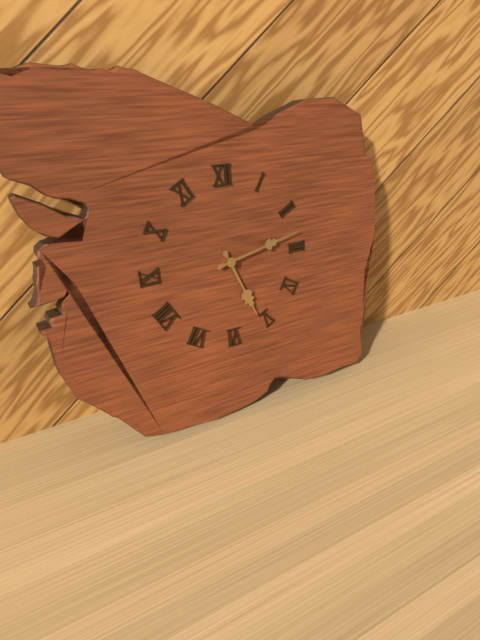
**5:13**
